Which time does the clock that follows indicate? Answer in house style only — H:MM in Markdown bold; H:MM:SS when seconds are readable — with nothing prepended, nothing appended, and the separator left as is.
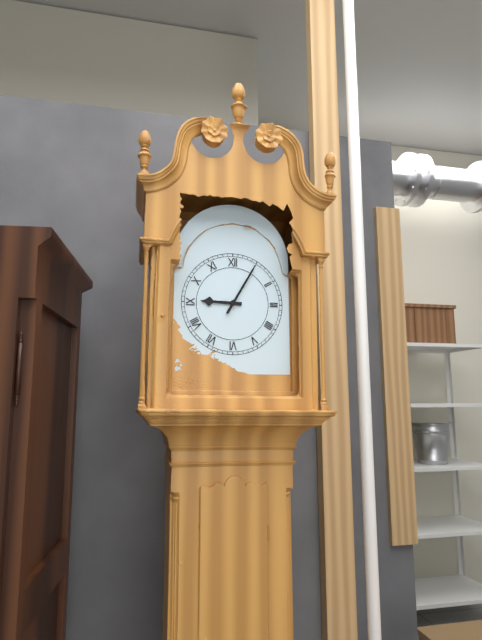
**9:05**
